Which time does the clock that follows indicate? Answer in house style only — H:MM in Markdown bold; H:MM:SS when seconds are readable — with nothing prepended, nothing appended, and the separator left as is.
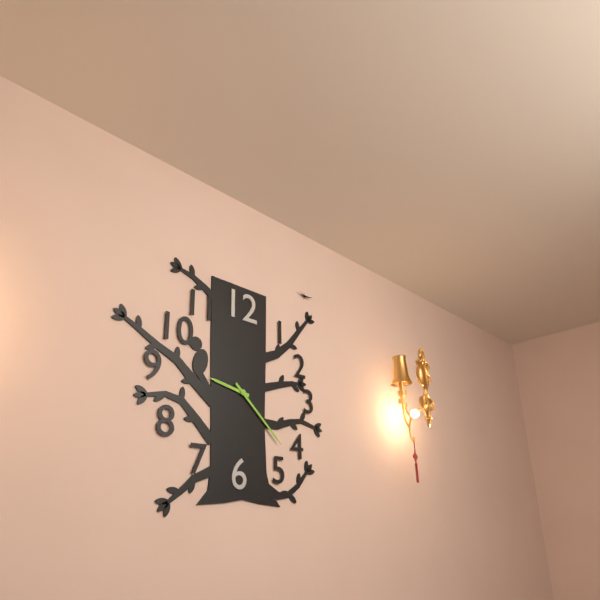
**9:22**
